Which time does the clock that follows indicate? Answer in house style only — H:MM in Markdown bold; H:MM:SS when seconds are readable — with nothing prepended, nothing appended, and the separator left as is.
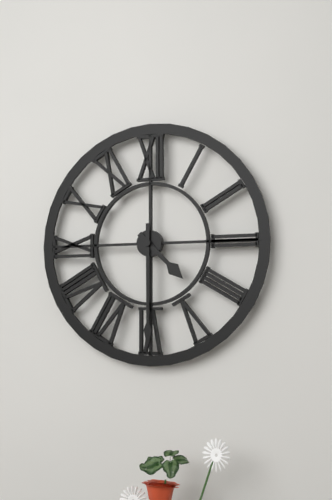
**4:30**
